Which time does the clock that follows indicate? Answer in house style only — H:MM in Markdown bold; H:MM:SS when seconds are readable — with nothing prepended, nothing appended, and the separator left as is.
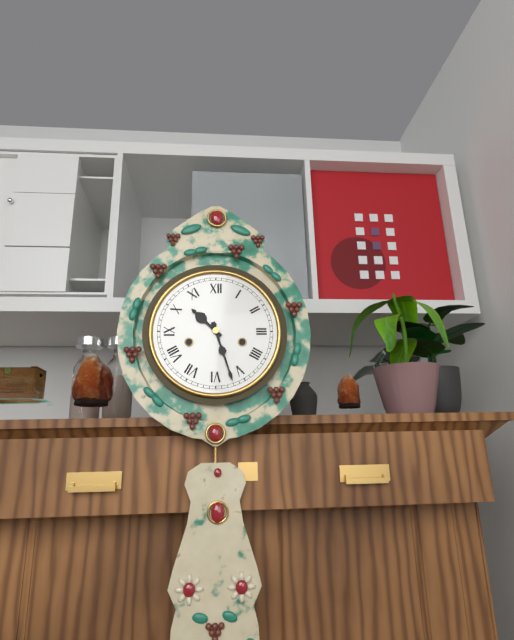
**10:27**
